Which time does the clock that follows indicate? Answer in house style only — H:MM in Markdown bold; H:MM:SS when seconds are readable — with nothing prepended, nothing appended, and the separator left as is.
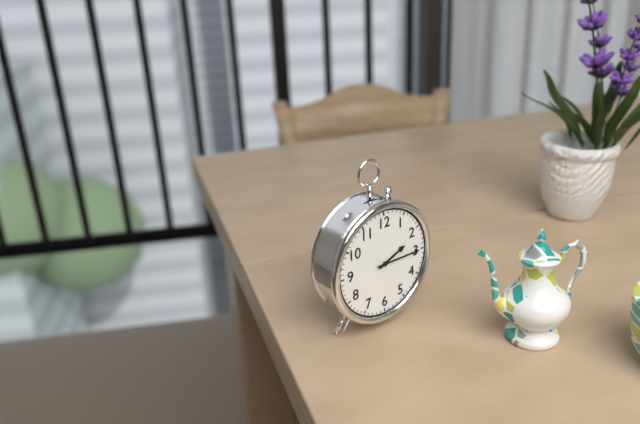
**2:15**
